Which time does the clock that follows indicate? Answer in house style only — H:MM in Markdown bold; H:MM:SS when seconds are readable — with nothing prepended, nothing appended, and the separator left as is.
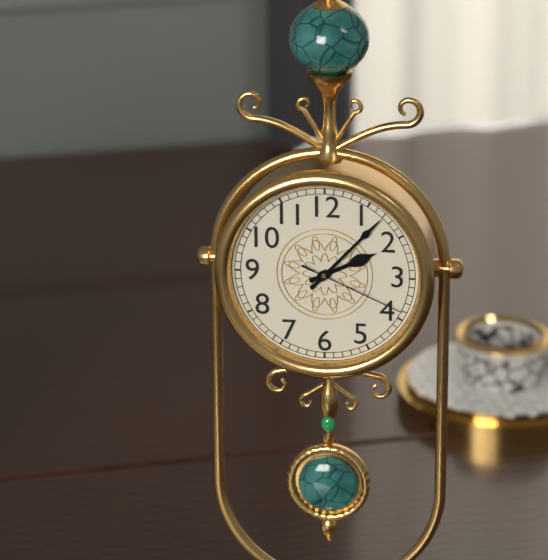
**2:07:19**
